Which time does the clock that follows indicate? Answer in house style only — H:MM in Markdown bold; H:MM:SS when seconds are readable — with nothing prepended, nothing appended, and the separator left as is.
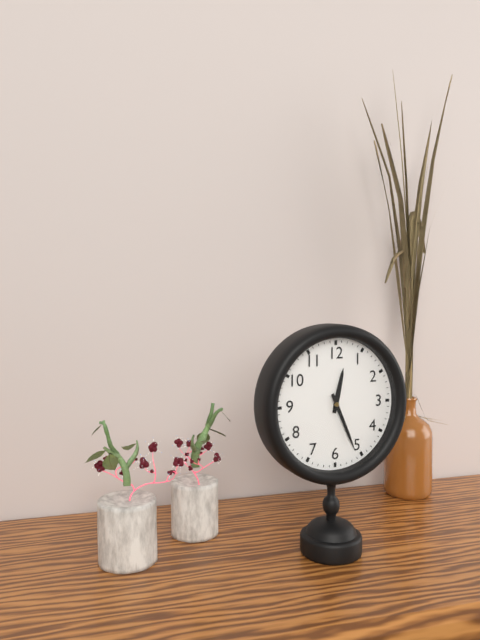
**12:26**
